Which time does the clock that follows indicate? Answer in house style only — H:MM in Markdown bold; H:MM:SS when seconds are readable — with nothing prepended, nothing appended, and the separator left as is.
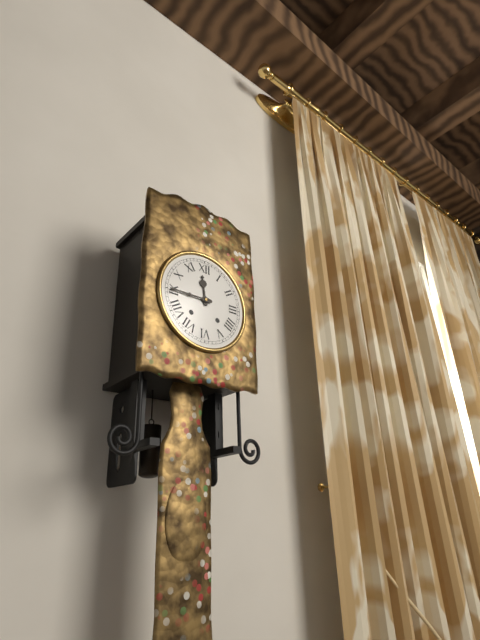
**11:45**
